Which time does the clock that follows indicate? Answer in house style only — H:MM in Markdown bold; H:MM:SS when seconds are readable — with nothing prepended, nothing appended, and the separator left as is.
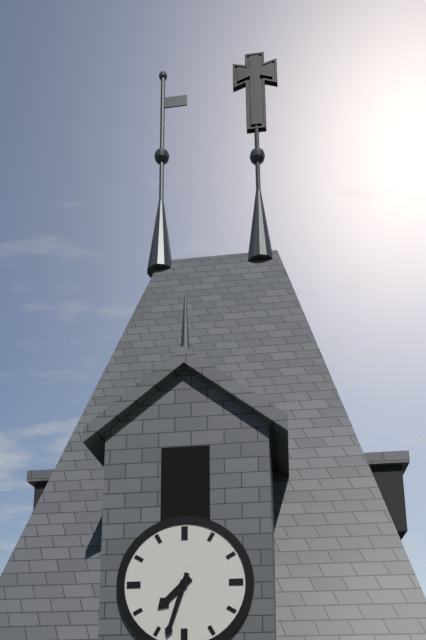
**7:33**
